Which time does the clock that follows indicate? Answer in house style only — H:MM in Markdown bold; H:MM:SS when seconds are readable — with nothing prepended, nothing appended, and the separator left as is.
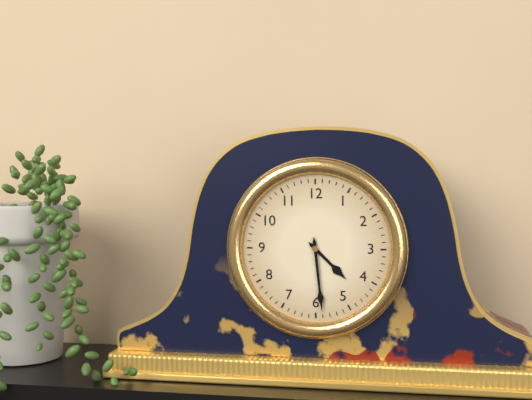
**4:29**
